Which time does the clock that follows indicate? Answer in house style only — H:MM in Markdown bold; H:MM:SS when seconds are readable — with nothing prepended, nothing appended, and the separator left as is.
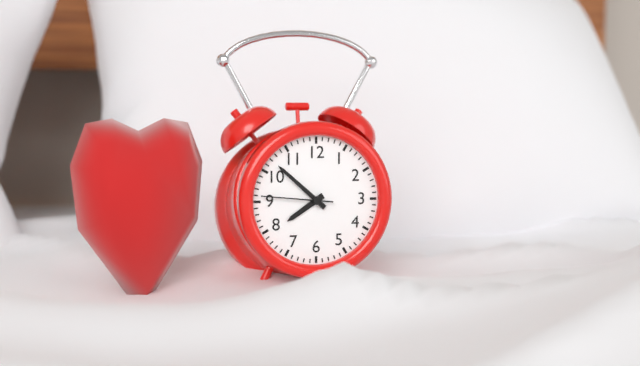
**7:52:46**
